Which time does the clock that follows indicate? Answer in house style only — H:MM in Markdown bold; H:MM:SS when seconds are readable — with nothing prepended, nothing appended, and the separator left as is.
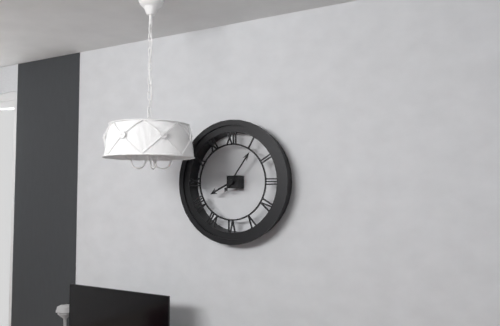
**8:06**
